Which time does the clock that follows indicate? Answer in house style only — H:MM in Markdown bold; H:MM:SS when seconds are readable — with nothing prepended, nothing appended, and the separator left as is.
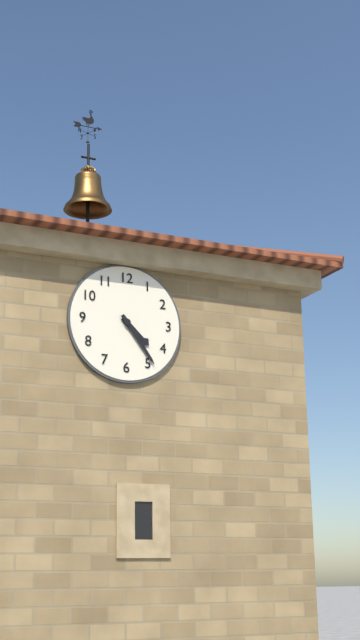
**4:24**
